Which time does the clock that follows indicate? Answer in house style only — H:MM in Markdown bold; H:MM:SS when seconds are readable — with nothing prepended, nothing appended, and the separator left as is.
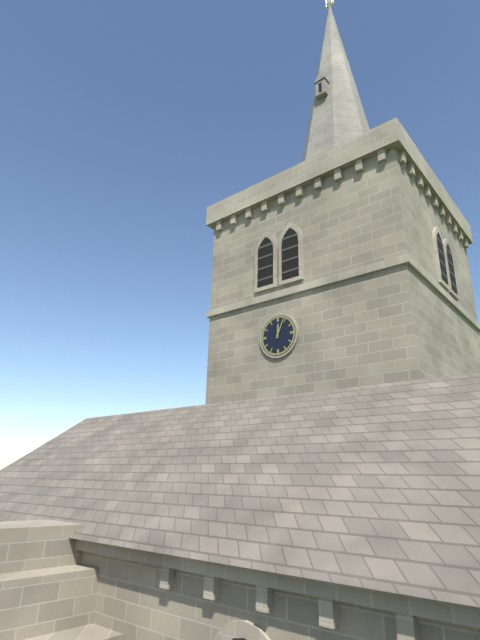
**12:04**
